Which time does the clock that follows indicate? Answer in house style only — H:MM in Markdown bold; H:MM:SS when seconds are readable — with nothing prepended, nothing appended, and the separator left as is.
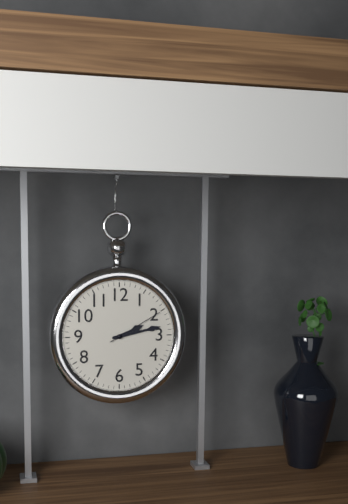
**2:13:10**
